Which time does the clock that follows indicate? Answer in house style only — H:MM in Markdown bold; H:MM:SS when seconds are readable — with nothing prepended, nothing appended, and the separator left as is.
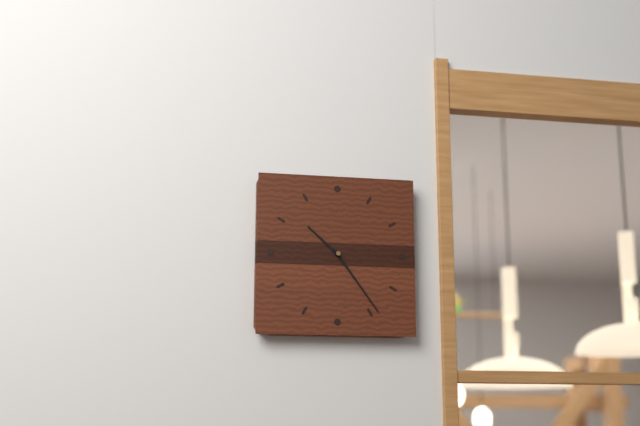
**10:24**
